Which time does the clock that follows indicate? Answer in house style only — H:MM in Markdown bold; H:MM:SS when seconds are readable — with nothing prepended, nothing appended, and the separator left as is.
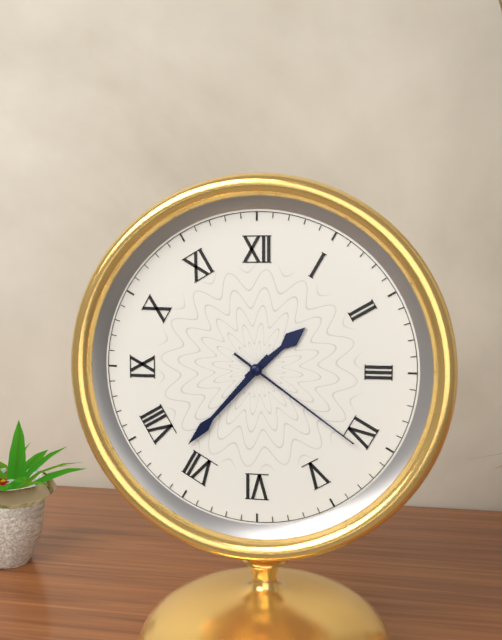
**1:37:21**
